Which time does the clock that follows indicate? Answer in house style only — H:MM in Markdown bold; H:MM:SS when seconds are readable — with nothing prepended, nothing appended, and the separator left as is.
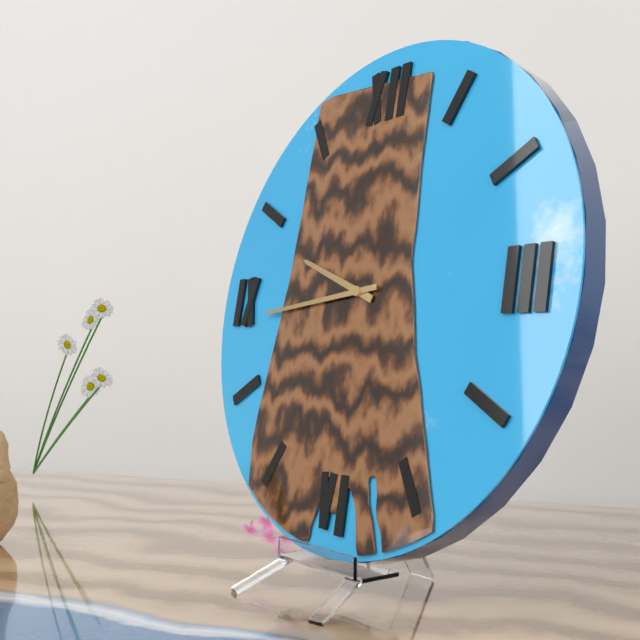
**9:44**
